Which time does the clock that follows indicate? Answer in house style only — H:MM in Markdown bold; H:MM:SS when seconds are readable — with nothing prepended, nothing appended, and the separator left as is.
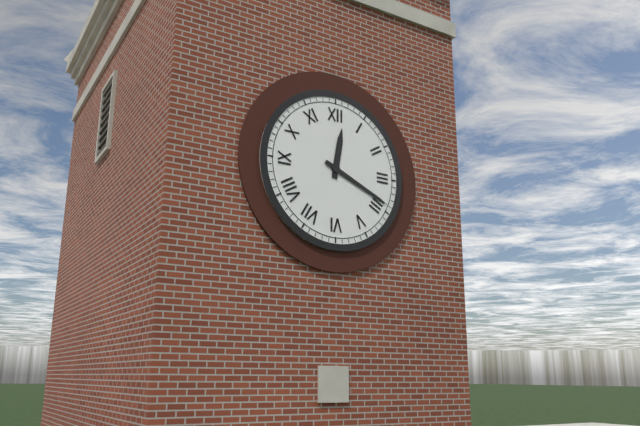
**12:19**
